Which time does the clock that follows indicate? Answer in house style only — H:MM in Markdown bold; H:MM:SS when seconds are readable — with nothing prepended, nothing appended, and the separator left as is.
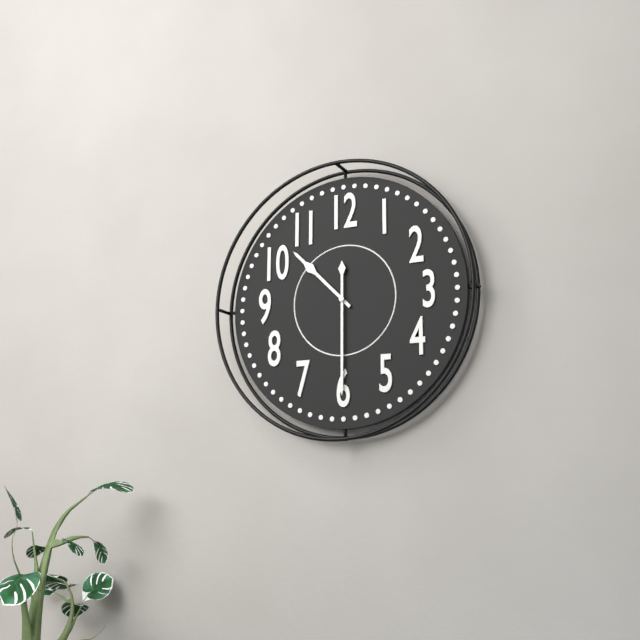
**10:30**
